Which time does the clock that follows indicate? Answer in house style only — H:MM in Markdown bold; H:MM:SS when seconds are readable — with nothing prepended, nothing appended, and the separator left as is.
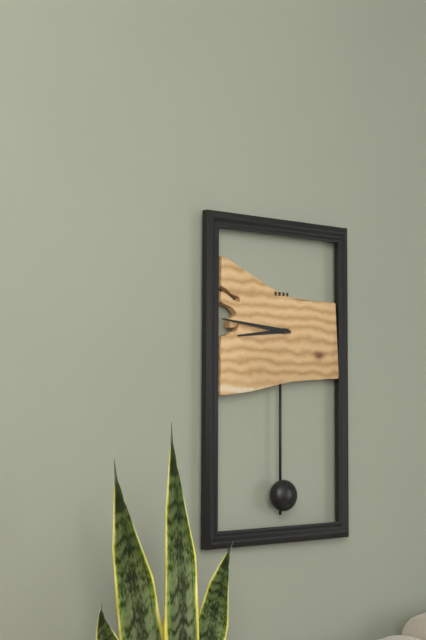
**8:46**
